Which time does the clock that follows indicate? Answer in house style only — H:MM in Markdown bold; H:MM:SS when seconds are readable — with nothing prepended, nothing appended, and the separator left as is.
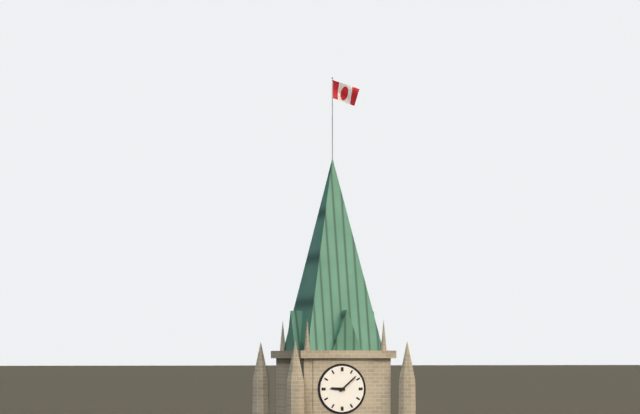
**9:08**
